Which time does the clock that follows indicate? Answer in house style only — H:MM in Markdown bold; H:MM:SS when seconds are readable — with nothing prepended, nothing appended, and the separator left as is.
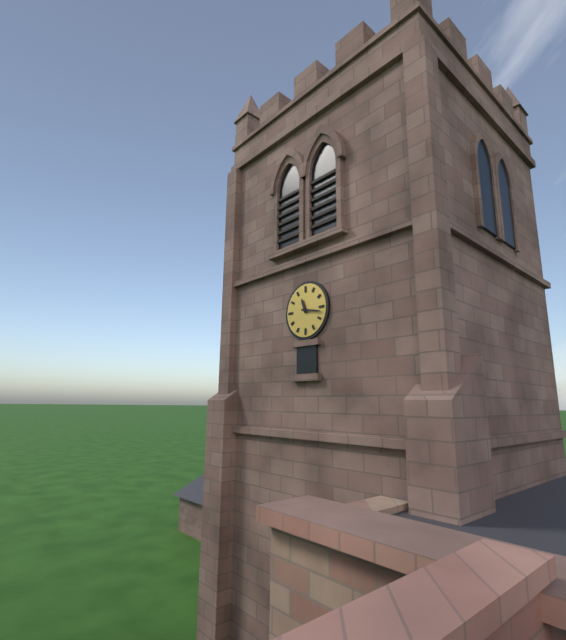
**11:17**
